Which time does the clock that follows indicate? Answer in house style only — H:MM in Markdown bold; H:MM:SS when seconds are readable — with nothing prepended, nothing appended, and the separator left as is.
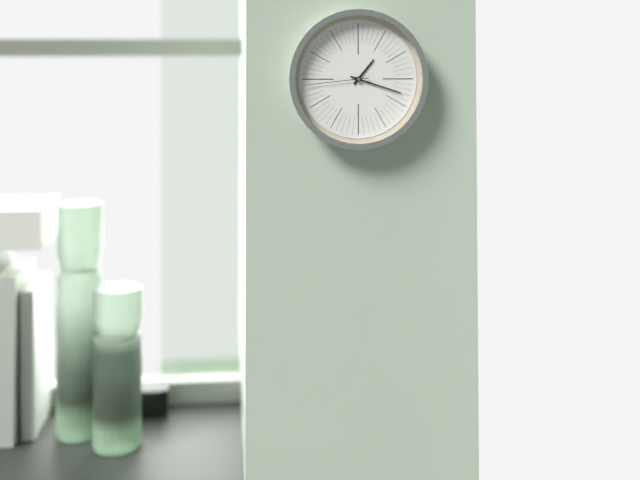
**1:18:44**
